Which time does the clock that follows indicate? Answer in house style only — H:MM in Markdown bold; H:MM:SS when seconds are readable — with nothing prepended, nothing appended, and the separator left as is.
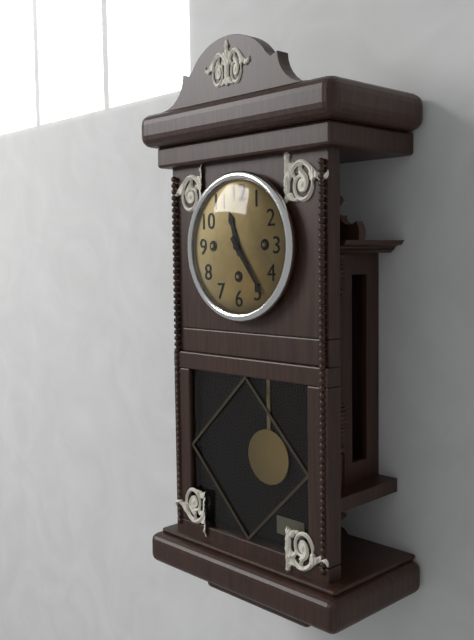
**11:24**
